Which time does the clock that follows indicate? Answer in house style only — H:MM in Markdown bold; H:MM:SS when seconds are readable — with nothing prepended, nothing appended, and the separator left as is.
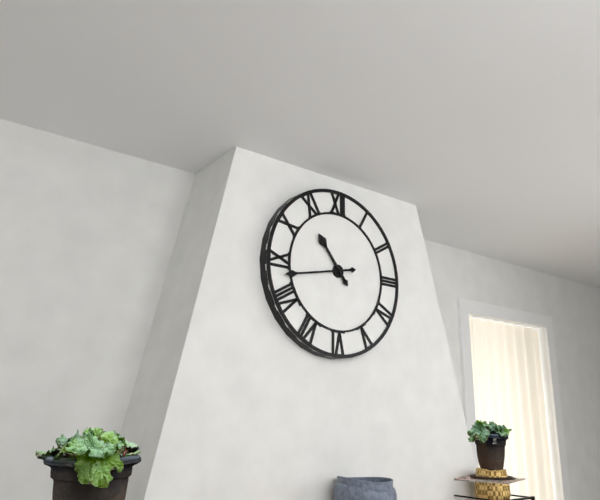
**10:43**
